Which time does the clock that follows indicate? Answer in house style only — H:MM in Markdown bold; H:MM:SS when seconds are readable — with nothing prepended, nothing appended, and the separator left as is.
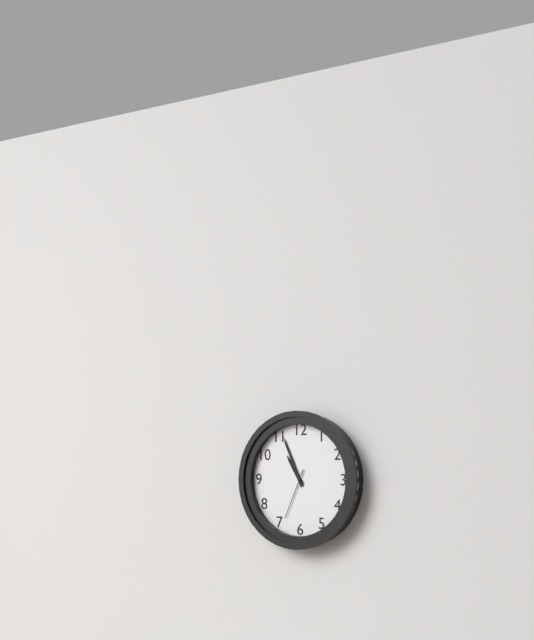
**10:56:34**
